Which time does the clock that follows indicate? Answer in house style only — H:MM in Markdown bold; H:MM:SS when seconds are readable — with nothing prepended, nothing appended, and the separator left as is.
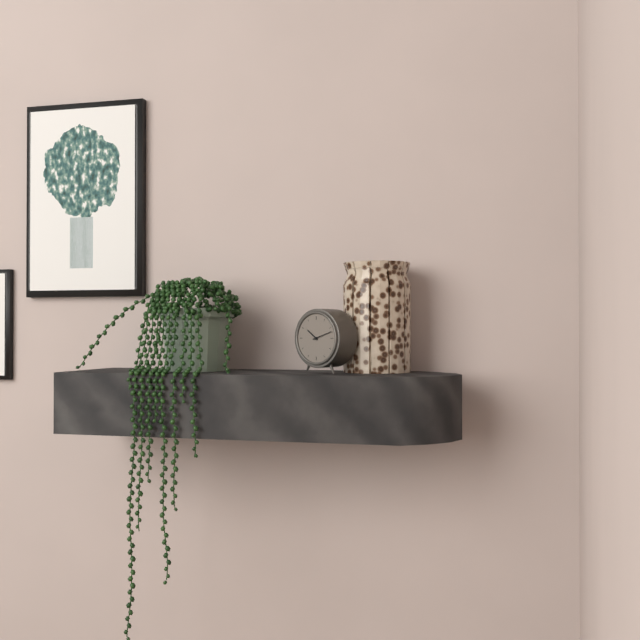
**10:12**
